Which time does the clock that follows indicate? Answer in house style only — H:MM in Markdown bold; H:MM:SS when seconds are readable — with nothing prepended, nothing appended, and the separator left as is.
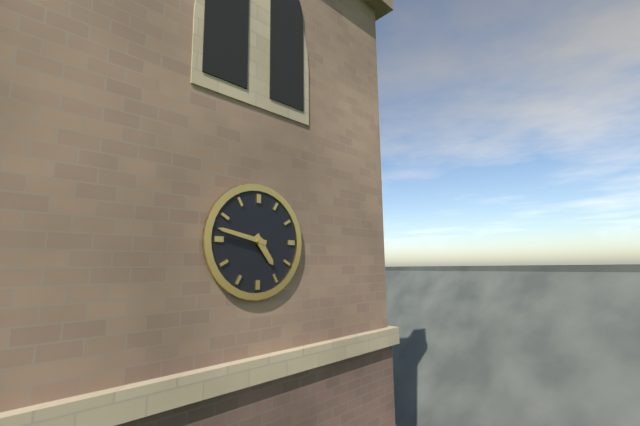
**4:47**
